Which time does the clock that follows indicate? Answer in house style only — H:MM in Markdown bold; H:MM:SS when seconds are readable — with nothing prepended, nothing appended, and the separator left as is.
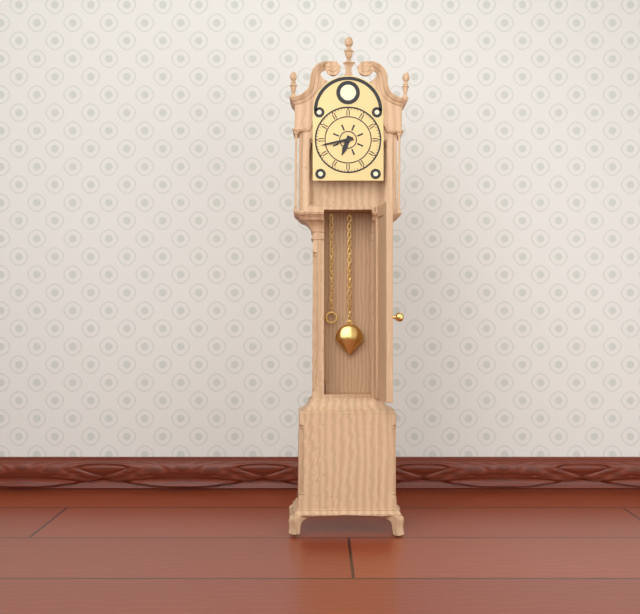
**6:43**
